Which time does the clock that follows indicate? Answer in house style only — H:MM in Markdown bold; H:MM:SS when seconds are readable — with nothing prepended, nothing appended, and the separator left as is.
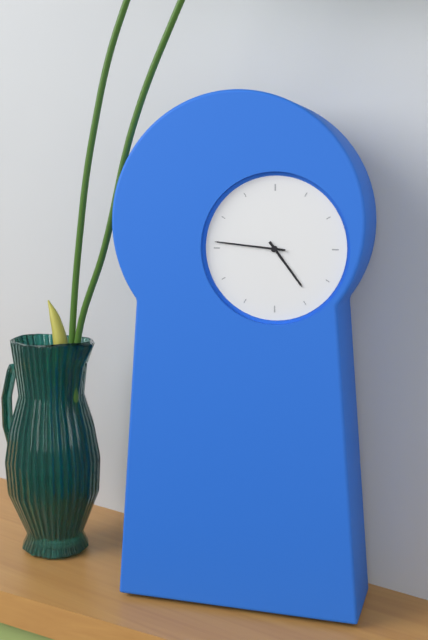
**4:46**
